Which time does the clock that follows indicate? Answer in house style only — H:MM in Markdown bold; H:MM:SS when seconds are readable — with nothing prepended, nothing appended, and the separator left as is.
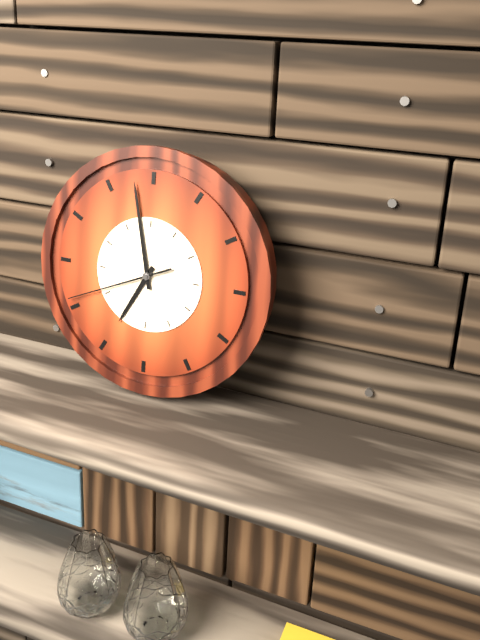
**6:58:41**
